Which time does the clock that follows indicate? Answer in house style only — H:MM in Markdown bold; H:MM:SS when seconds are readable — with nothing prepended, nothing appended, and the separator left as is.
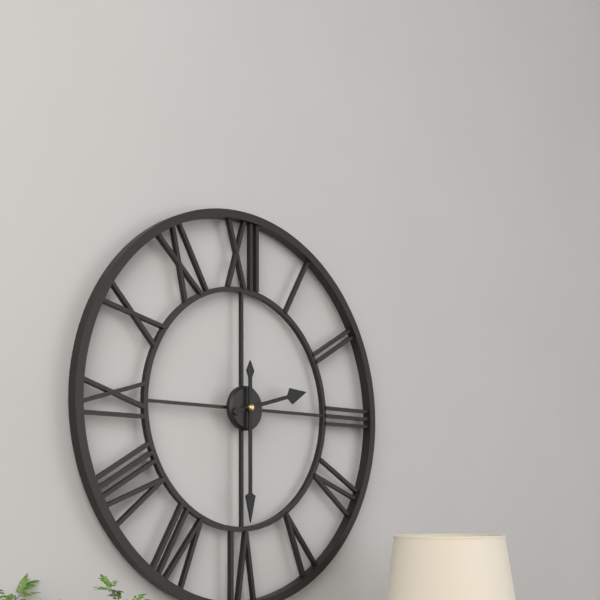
**2:30**
